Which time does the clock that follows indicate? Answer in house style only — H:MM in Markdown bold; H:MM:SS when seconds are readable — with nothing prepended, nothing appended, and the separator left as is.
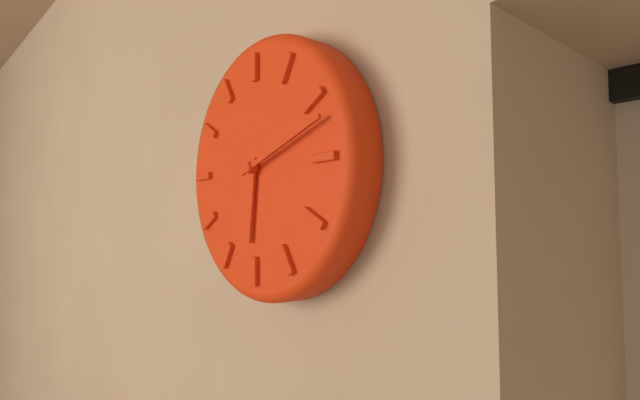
**6:12**
